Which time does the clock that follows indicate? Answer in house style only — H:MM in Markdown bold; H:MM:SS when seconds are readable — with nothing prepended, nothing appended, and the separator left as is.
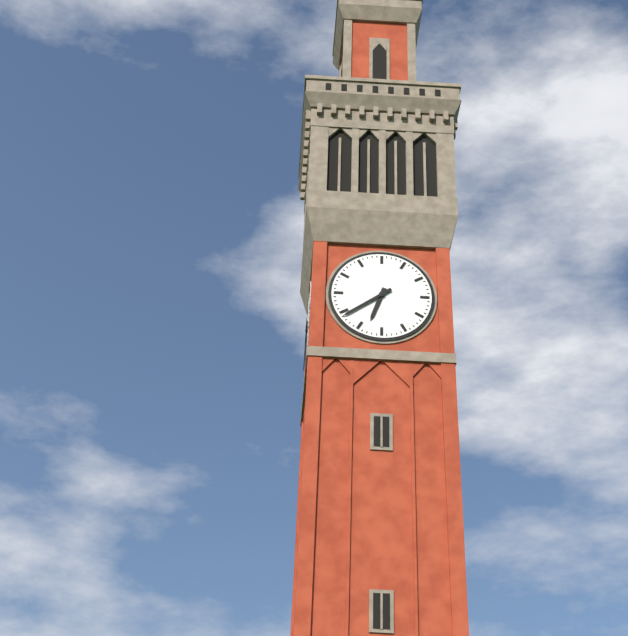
**6:39**
